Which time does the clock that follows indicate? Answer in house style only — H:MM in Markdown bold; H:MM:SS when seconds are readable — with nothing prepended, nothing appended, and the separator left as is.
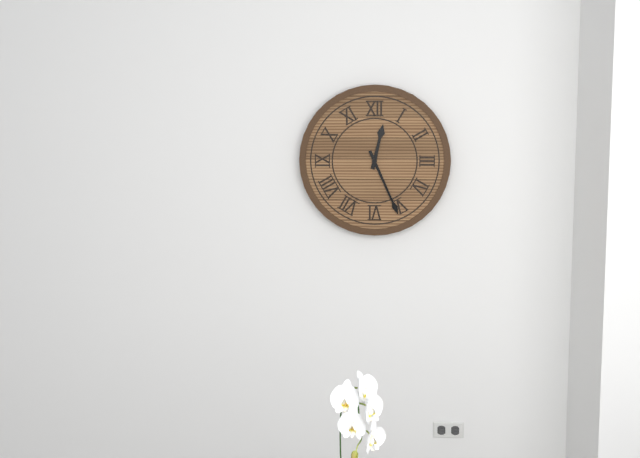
**12:26**
